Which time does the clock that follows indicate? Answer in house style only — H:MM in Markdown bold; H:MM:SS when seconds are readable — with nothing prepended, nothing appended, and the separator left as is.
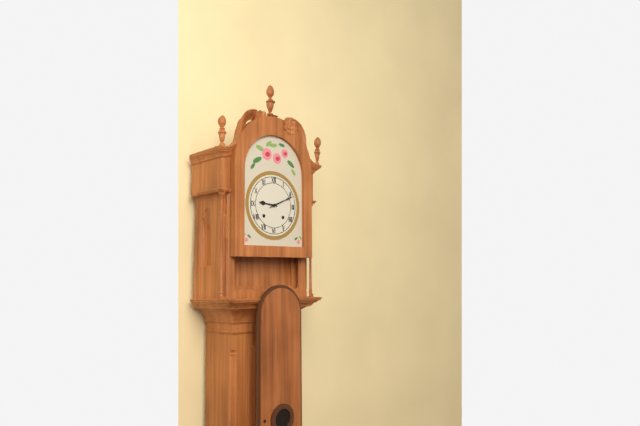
**9:11**
